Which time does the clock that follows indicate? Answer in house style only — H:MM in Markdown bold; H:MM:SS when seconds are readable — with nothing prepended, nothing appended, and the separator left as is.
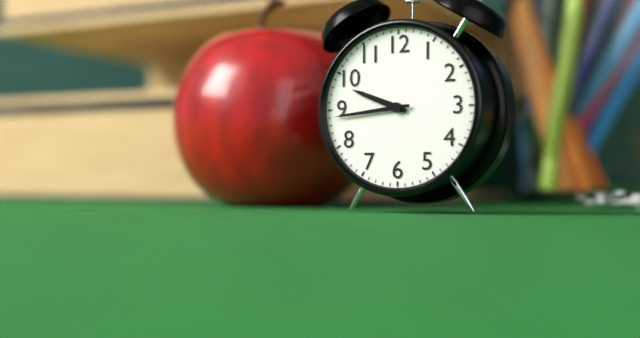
**9:44**
